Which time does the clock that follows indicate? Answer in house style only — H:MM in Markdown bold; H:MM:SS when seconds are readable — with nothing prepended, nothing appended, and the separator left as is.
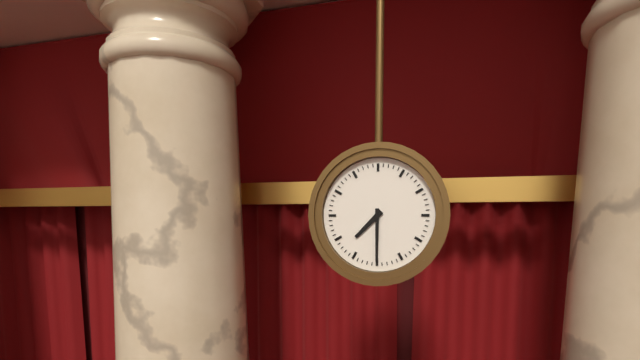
**7:30**
